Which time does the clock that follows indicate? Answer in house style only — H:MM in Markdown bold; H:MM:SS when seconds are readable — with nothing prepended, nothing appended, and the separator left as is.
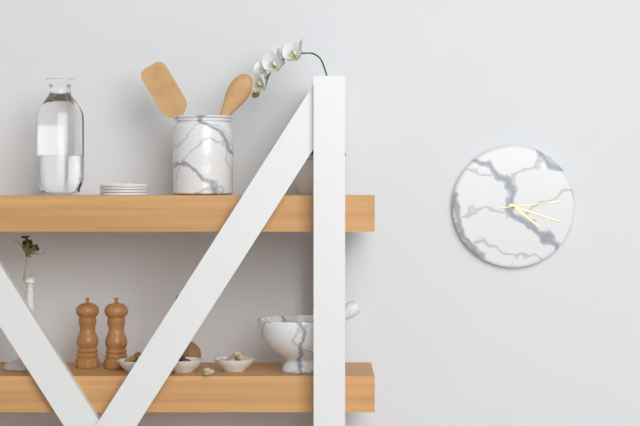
**4:18:14**
